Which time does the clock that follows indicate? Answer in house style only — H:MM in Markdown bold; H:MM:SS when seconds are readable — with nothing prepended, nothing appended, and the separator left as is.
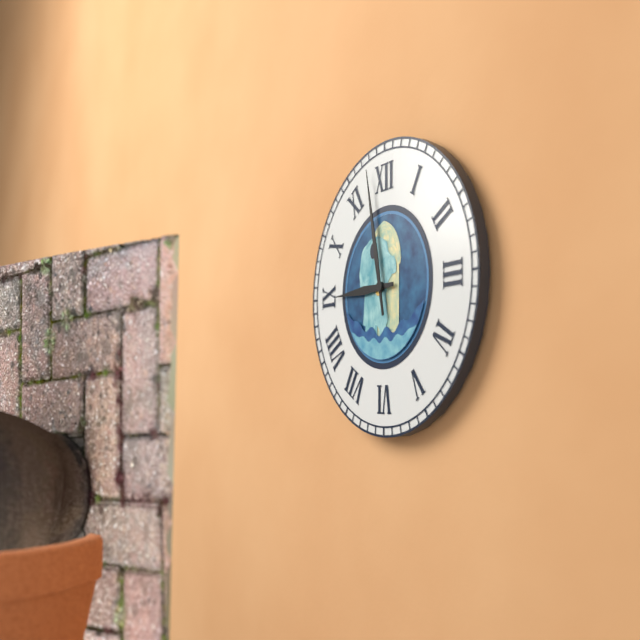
**8:58**
